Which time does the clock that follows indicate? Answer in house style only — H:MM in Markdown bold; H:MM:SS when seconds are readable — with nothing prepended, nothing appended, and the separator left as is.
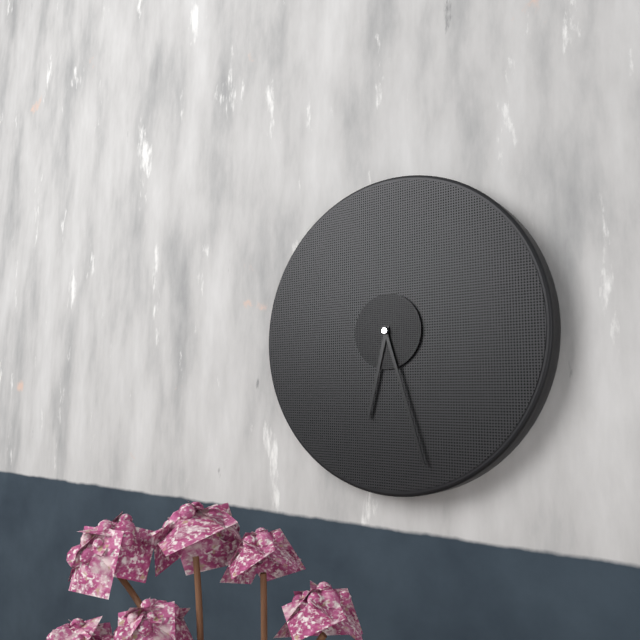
**6:27**
